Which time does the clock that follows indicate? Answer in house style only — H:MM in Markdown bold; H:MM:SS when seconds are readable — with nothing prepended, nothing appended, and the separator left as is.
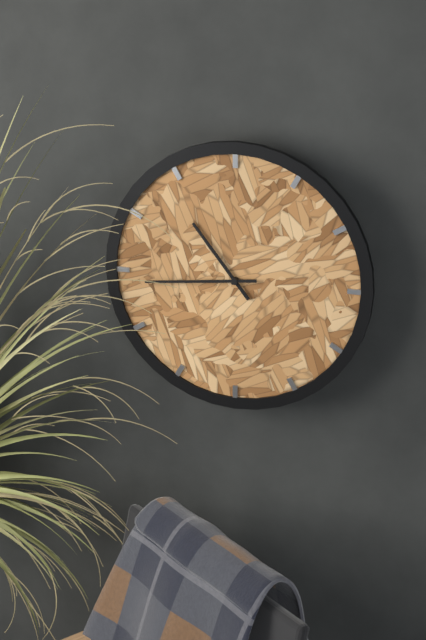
**10:44**
